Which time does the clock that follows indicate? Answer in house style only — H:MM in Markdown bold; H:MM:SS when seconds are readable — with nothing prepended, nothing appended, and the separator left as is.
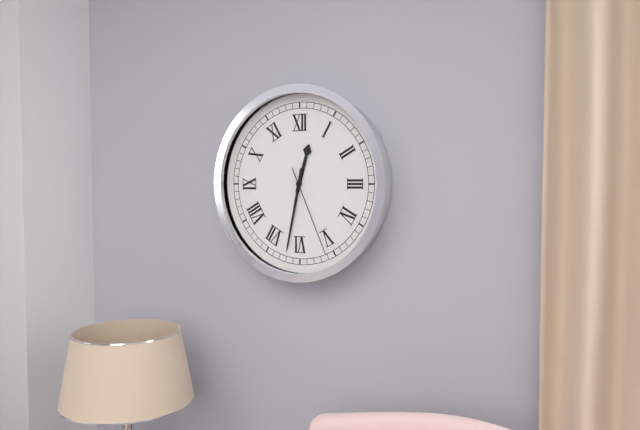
**12:32:26**
